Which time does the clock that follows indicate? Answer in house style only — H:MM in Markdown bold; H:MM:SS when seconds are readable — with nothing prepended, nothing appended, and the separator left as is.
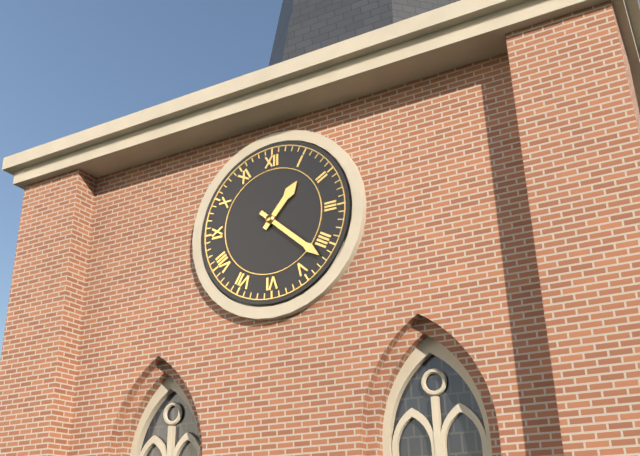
**1:22**
